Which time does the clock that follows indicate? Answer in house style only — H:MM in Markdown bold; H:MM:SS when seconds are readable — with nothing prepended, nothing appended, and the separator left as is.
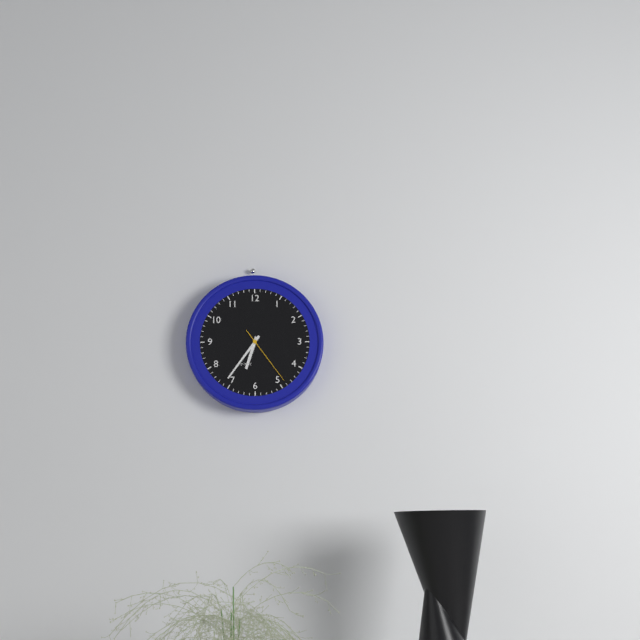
**6:36:24**
